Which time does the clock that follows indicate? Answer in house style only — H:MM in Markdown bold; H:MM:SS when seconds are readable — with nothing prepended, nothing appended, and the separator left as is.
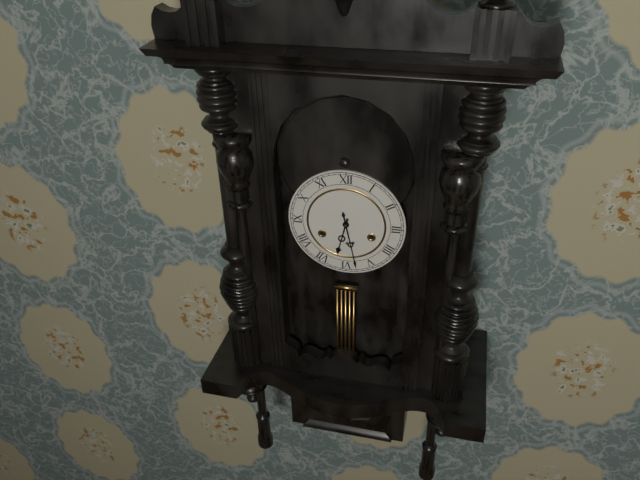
**6:28**
